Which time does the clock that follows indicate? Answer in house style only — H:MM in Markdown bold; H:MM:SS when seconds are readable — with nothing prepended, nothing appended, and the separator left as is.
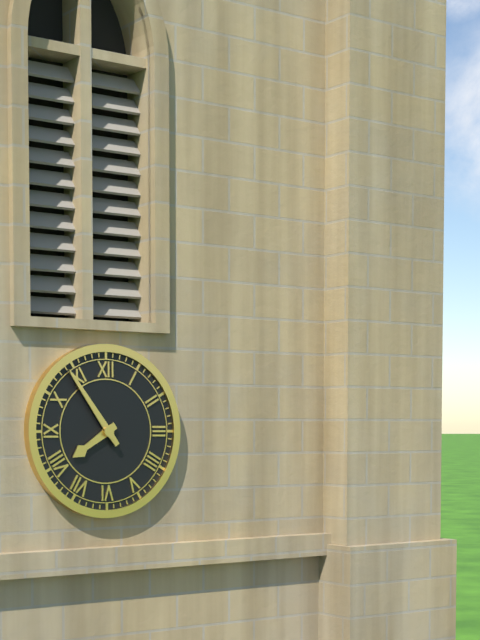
**7:54**
